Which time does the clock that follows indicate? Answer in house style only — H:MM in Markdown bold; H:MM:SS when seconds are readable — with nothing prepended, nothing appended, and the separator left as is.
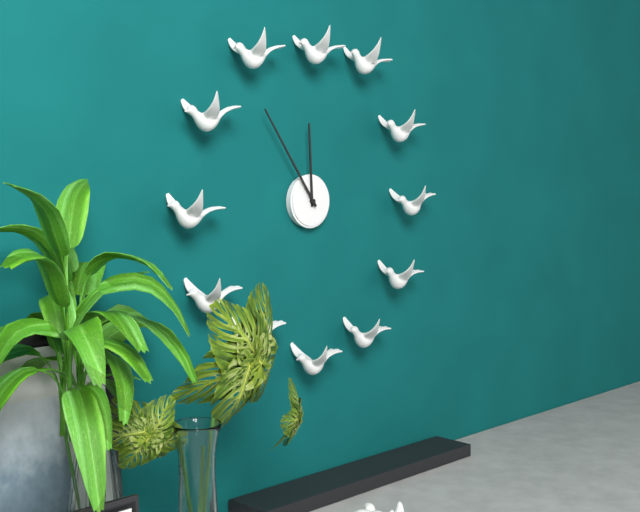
**11:54**
